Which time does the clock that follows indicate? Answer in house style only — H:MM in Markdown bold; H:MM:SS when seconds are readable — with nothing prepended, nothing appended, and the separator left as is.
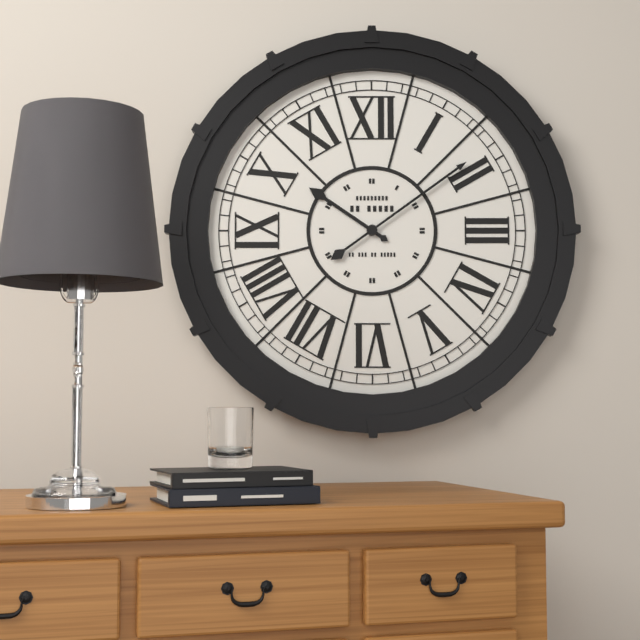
**10:09**
